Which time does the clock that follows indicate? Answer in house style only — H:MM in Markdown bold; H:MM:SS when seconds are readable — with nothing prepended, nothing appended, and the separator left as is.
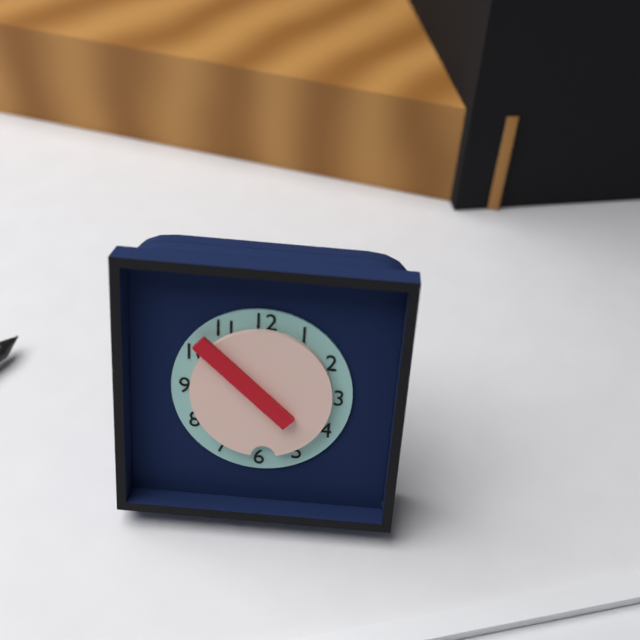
**5:52**
